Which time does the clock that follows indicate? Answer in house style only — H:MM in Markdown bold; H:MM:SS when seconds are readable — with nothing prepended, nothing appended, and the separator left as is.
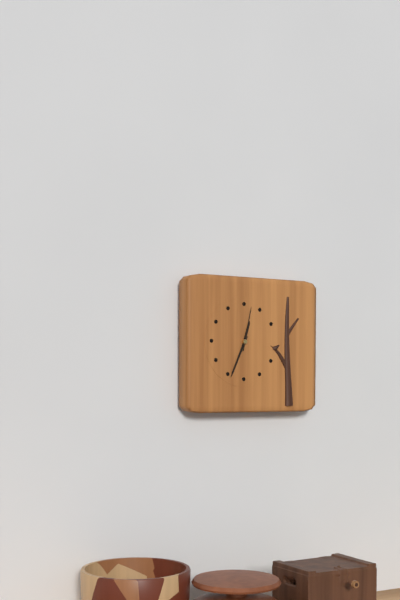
**12:34**
